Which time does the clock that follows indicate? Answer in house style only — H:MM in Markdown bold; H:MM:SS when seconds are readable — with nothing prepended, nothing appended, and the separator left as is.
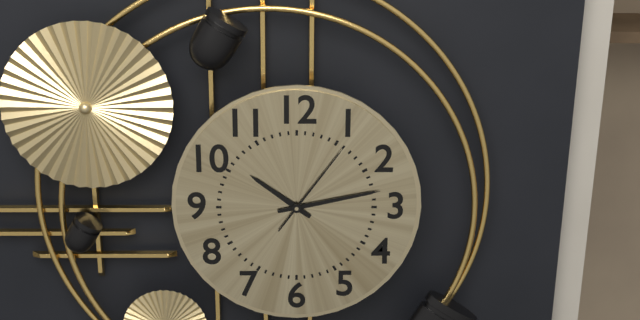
**10:13:06**
